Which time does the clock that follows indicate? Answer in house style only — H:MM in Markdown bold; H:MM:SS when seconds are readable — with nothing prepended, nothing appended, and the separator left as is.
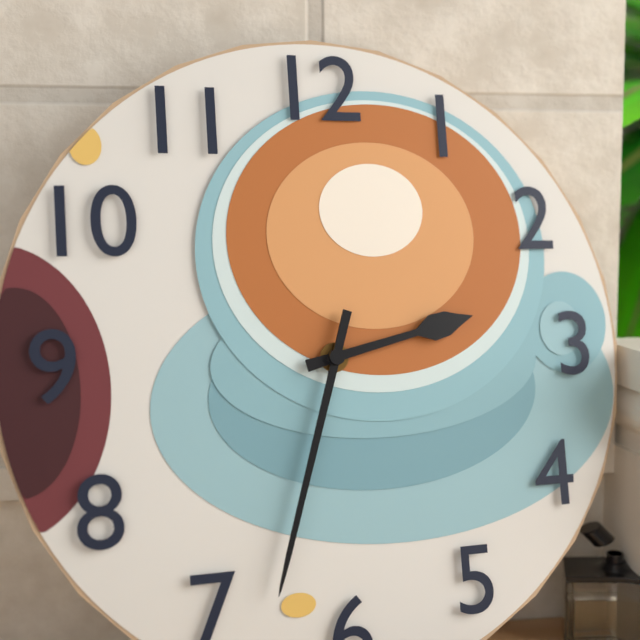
**2:33**
